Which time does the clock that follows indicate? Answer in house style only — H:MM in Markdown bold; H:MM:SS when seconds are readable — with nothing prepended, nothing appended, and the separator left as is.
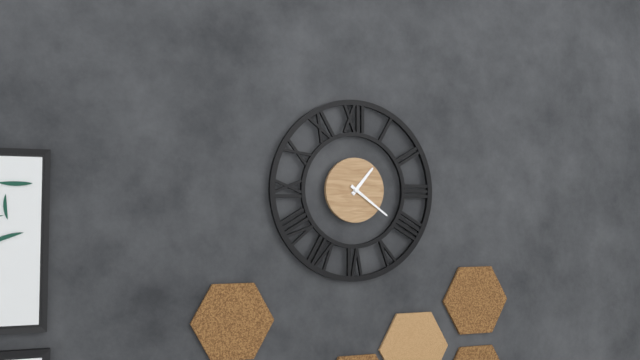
**1:21**
